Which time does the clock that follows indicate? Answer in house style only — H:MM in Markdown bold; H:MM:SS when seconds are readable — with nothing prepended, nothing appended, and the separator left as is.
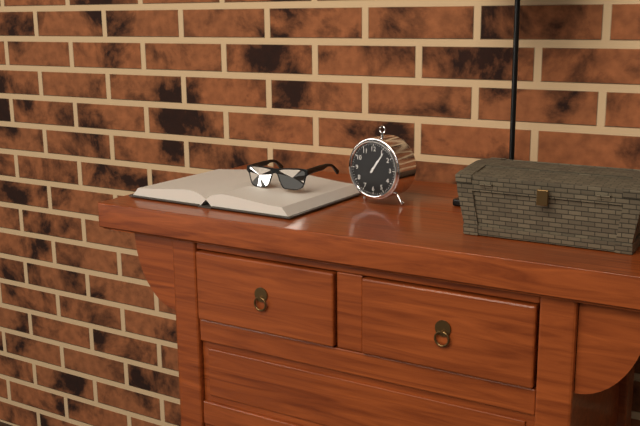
**1:06**
